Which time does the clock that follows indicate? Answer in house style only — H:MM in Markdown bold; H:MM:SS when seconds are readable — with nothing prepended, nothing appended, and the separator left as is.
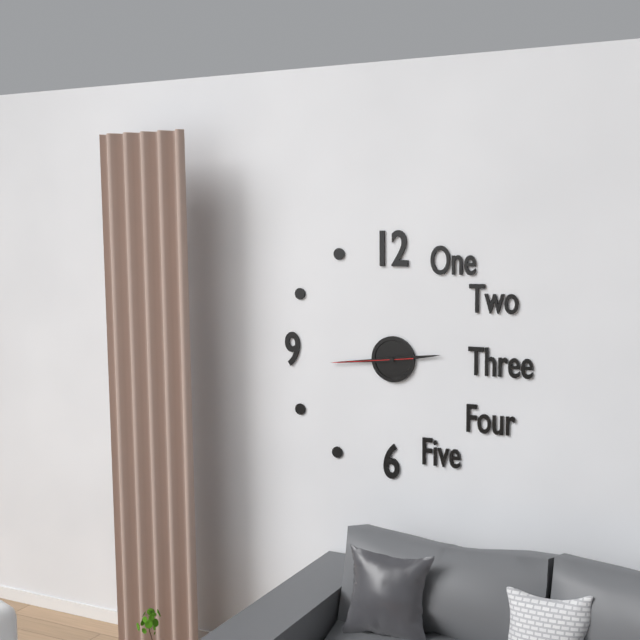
**2:44:44**
